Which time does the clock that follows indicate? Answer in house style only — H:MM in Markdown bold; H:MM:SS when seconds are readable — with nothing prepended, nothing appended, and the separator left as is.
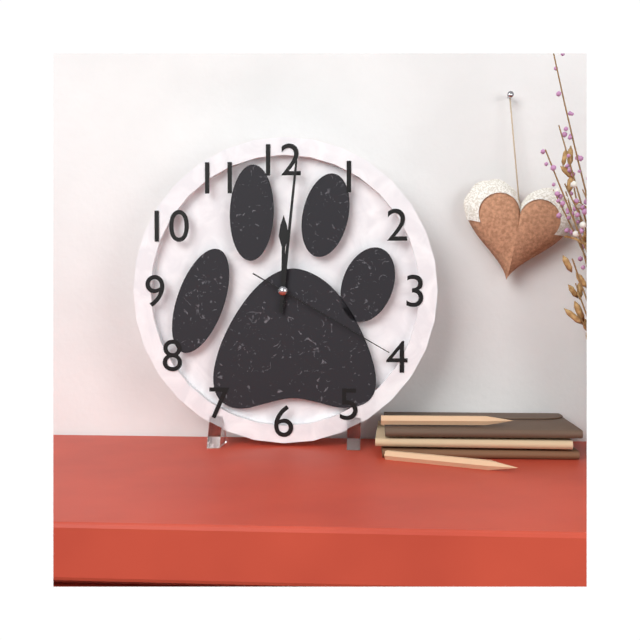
**12:01:20**
